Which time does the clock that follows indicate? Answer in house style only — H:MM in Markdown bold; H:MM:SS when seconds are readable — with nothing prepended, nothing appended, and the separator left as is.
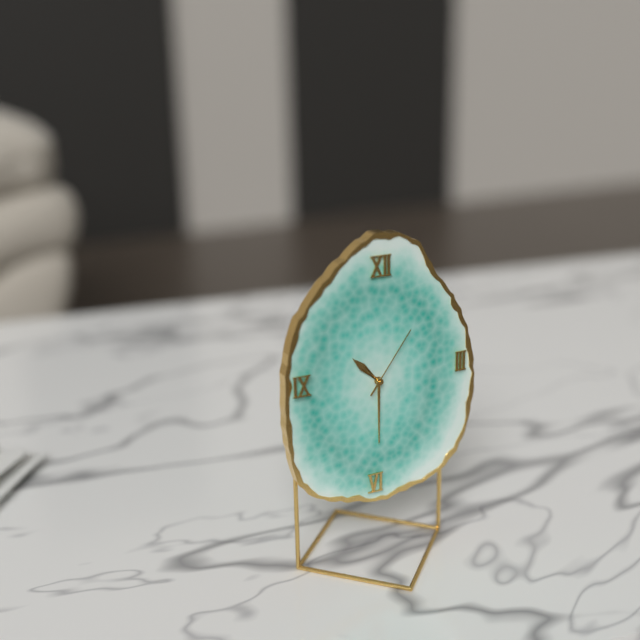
**10:30:06**
